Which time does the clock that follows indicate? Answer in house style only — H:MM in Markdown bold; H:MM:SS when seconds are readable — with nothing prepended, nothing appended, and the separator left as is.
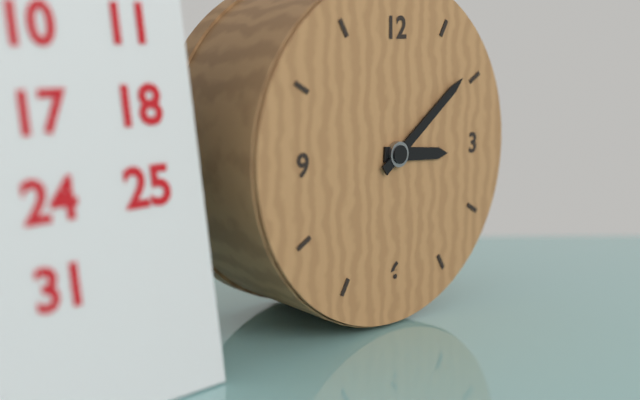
**3:09**
